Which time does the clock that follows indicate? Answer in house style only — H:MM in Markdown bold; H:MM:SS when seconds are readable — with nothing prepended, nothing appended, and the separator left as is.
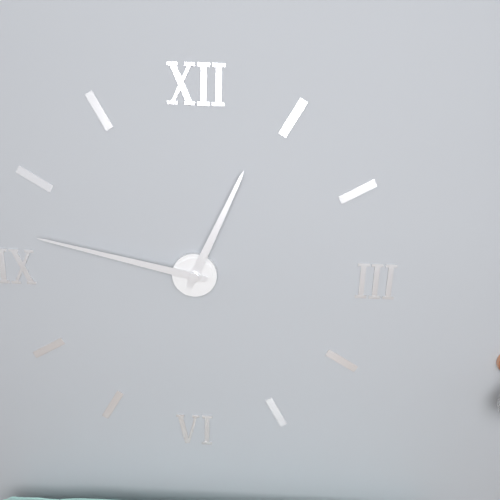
**12:47**
